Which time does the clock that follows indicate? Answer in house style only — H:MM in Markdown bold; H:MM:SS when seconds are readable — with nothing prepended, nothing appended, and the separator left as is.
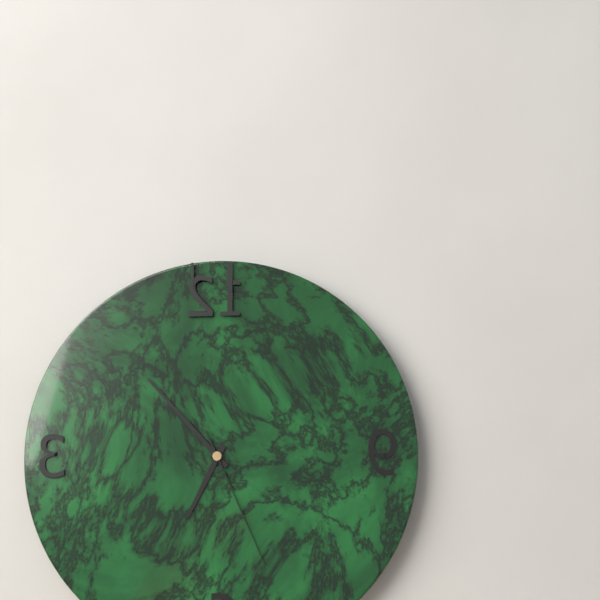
**6:53:26**
